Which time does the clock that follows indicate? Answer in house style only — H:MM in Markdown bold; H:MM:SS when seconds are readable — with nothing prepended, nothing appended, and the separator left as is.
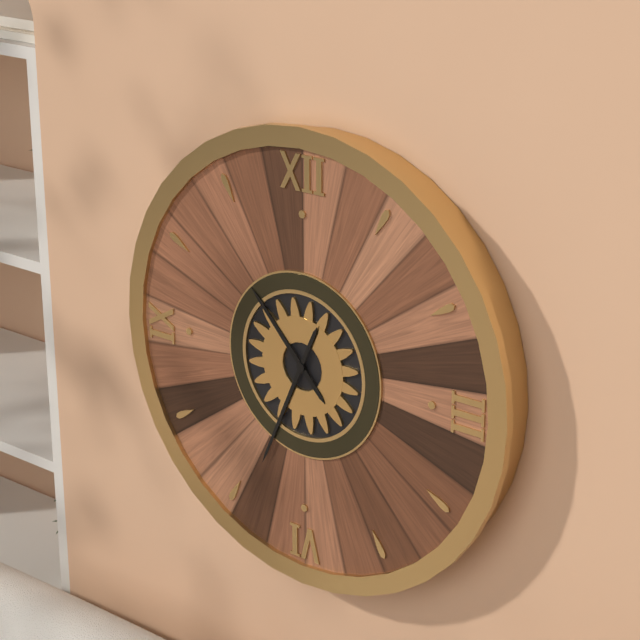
**10:34**
